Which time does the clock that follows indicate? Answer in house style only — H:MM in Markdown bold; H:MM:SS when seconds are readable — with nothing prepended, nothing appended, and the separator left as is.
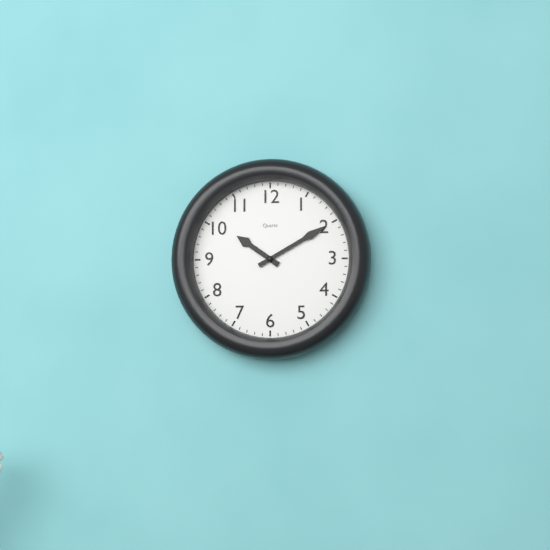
**10:10**
